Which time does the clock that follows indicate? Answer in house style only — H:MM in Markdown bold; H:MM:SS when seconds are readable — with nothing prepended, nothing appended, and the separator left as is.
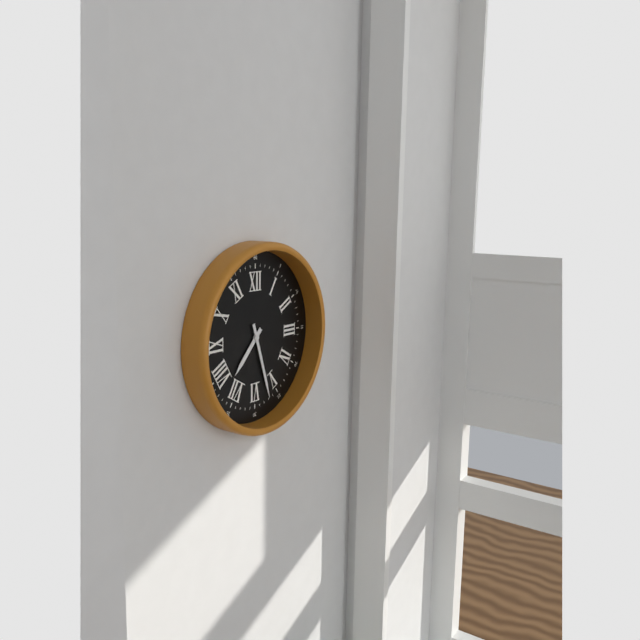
**7:27**
